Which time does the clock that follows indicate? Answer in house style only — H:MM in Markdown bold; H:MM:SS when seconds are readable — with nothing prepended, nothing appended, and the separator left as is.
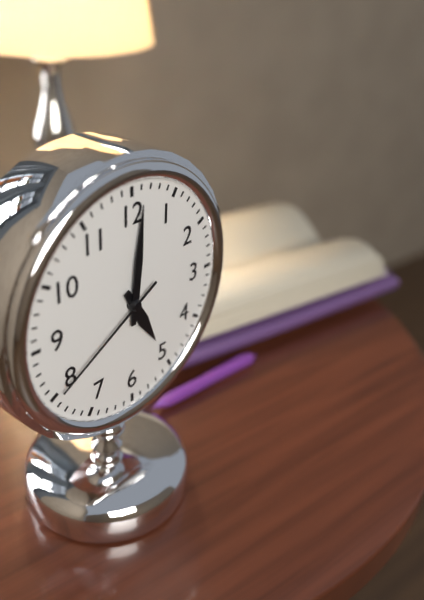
**5:01:40**
